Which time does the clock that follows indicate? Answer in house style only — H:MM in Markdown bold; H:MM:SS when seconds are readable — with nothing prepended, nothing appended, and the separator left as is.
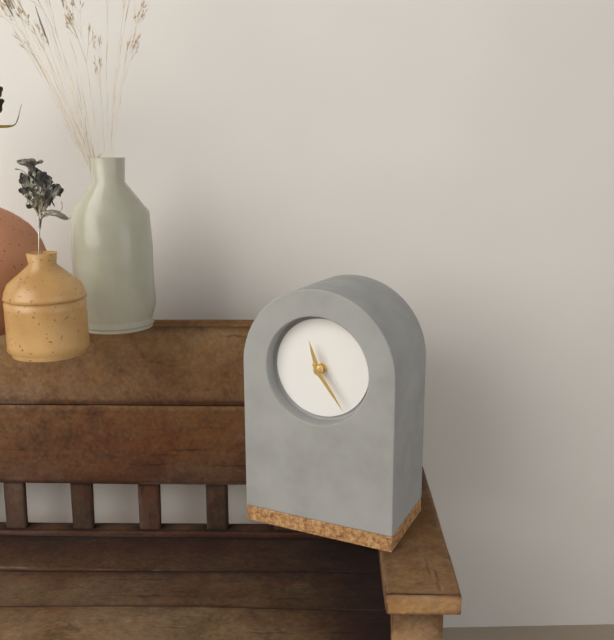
**11:24**
